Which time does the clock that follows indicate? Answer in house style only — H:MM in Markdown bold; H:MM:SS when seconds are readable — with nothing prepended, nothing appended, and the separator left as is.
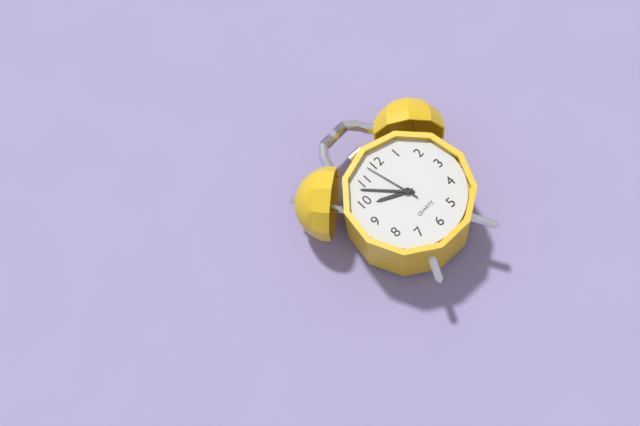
**9:53:58**
